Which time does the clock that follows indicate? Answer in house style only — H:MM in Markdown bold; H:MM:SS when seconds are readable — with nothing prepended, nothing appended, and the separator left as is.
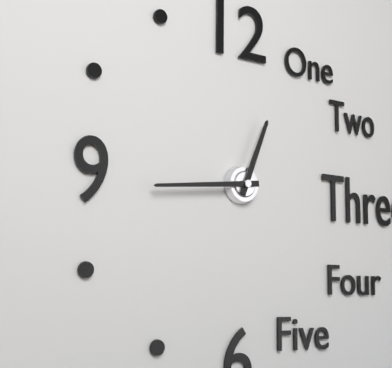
**12:44**
